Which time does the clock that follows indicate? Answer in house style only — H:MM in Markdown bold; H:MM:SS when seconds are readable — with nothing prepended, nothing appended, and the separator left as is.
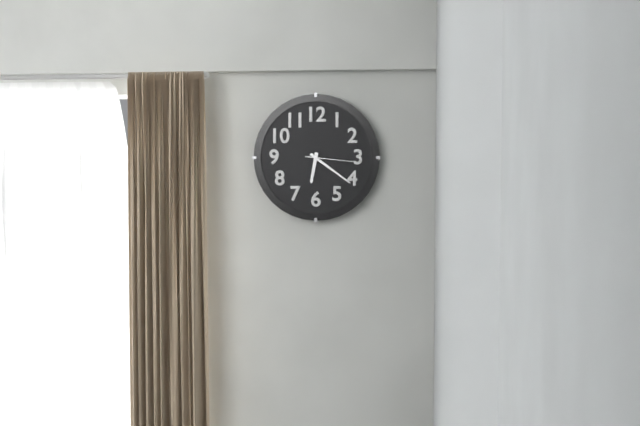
**6:21**
